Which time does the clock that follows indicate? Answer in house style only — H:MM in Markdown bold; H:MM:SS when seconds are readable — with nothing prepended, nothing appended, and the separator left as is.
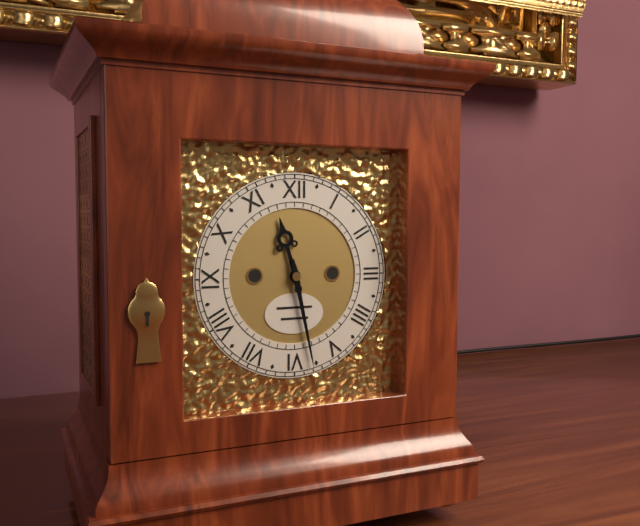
**11:28**
